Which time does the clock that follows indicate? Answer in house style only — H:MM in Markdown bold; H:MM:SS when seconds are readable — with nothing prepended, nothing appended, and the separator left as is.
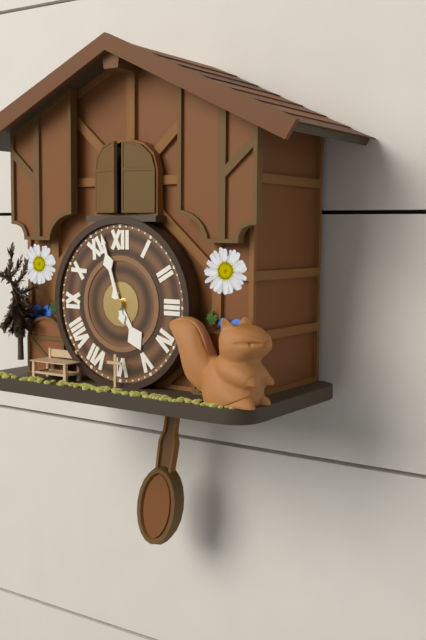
**4:57**
